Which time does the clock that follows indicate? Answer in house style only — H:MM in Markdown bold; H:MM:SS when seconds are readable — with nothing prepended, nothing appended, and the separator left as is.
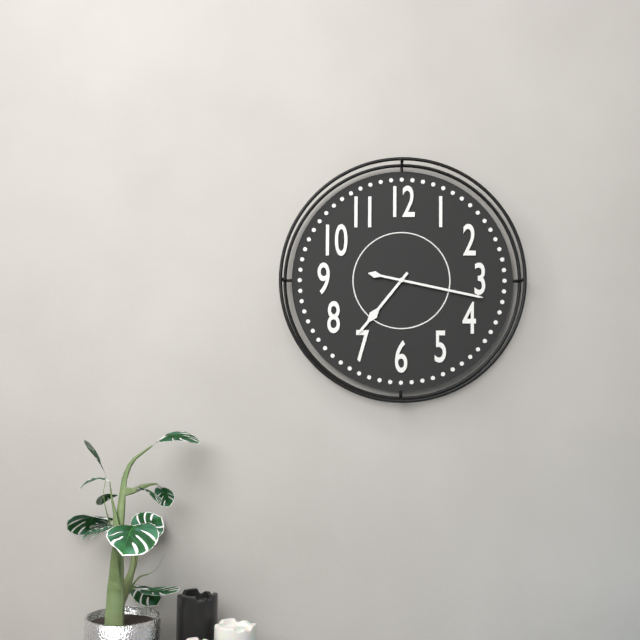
**7:17**
